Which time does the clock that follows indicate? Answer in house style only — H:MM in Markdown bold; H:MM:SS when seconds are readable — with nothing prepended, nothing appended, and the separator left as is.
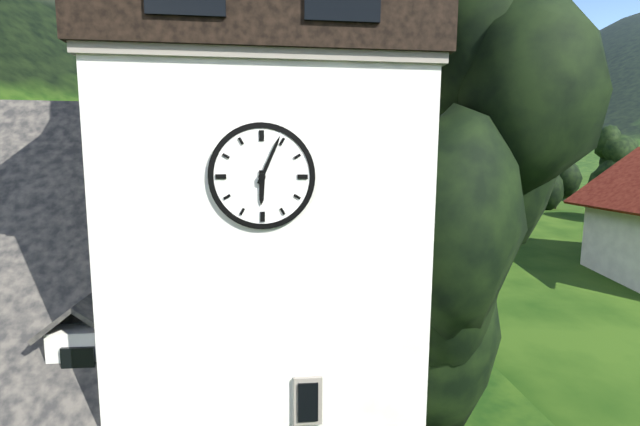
**6:04**
